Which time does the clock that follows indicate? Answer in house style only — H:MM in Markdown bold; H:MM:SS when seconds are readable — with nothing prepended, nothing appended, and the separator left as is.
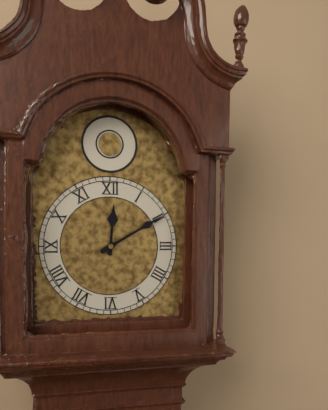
**12:10**
